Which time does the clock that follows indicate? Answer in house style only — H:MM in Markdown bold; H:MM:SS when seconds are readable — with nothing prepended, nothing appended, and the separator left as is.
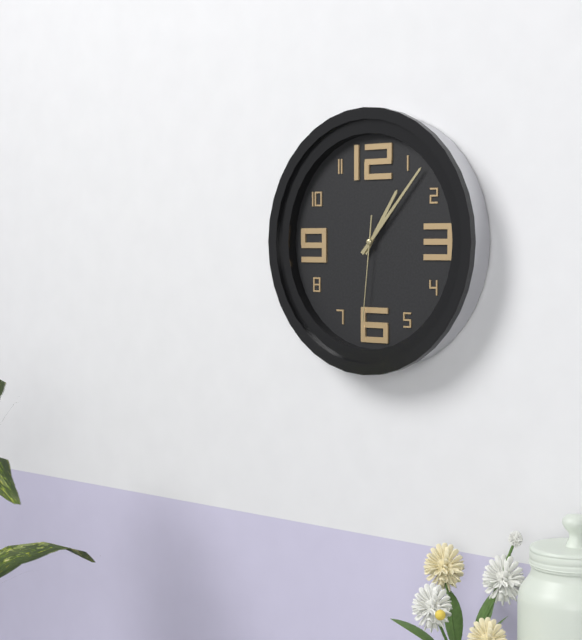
**1:07:31**
